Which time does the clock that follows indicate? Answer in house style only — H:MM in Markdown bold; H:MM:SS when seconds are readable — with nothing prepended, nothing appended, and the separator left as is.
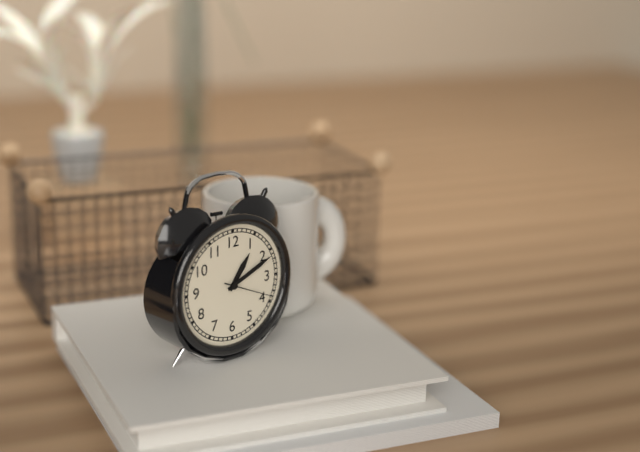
**1:11:19**
